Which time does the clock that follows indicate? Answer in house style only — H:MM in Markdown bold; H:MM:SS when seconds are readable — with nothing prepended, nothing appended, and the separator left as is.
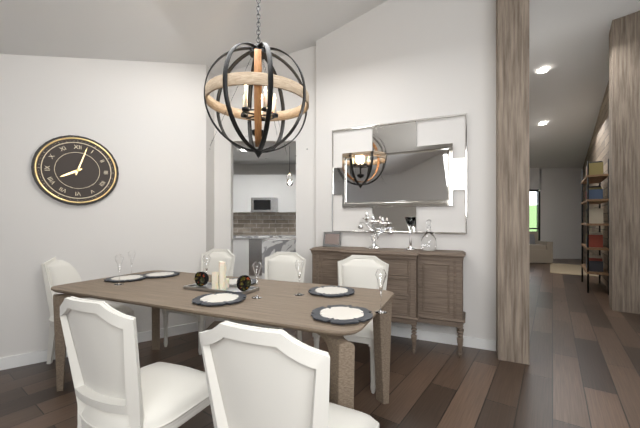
**8:03**
